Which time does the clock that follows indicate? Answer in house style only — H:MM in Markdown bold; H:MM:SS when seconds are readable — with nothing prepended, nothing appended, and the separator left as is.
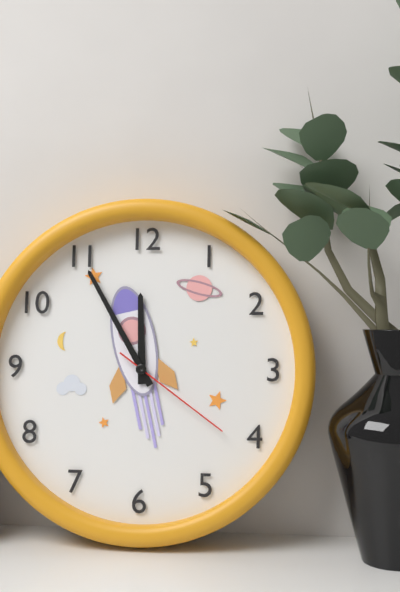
**11:55:21**
